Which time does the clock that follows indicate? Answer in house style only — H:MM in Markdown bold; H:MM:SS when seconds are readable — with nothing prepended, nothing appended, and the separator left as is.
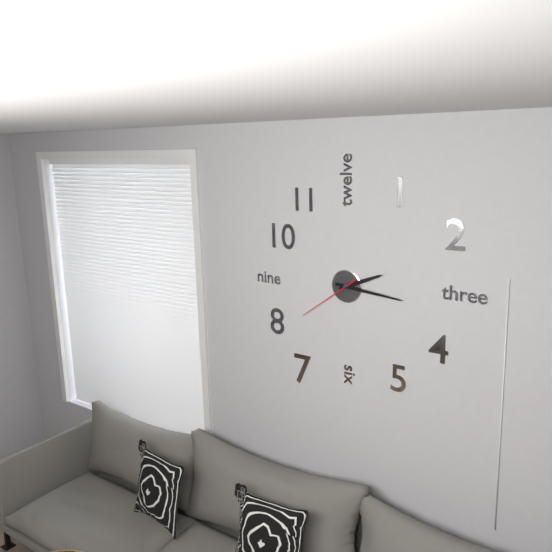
**2:16:39**
